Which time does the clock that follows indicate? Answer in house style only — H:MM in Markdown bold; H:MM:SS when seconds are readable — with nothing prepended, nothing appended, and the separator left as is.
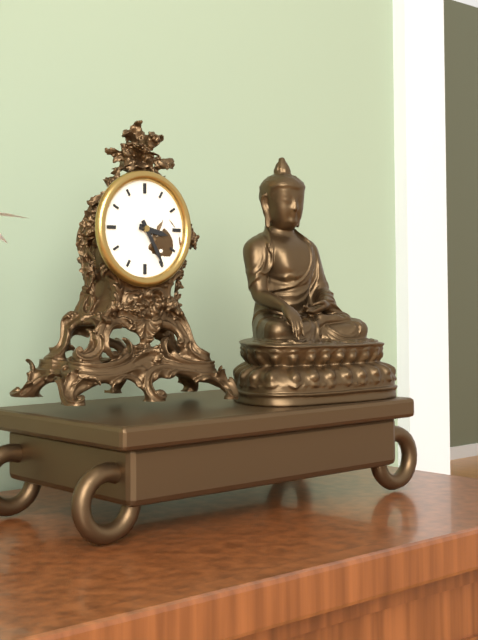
**3:25**
